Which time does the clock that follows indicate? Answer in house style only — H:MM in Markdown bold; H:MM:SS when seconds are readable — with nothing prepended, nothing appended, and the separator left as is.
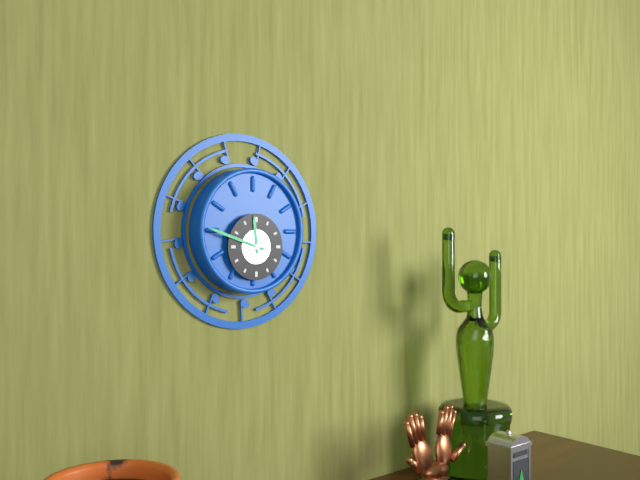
**11:48**
